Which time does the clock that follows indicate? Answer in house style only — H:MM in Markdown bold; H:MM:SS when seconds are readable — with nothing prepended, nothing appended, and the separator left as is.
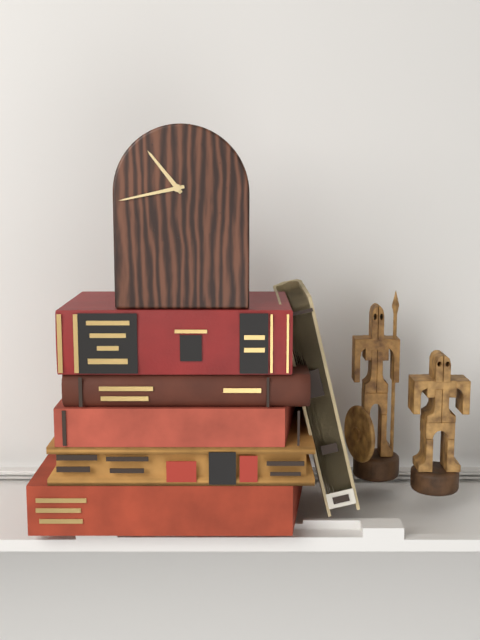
**10:43**
